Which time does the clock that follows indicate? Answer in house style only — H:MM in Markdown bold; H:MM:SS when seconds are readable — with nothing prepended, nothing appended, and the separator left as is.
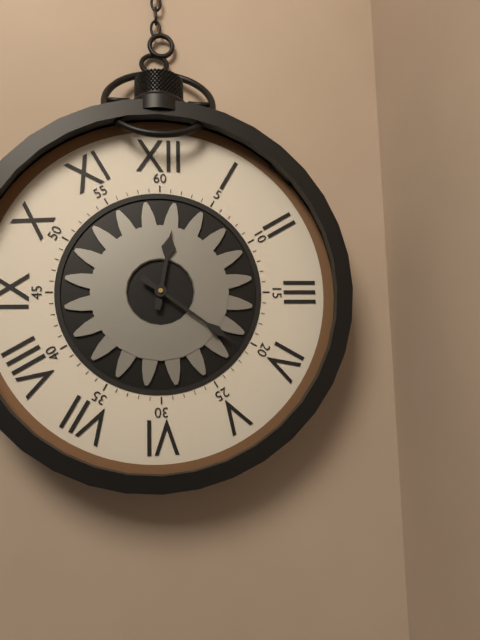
**12:21**
